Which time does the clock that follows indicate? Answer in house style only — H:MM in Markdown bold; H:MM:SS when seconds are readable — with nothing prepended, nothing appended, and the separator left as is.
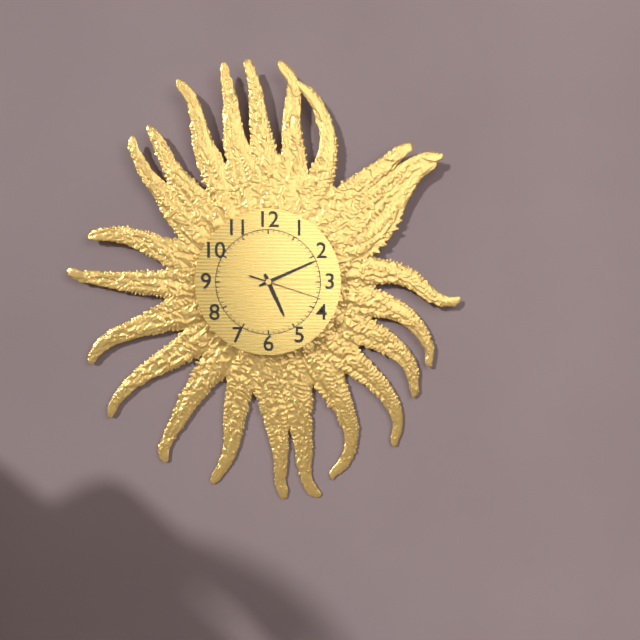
**5:11:18**
